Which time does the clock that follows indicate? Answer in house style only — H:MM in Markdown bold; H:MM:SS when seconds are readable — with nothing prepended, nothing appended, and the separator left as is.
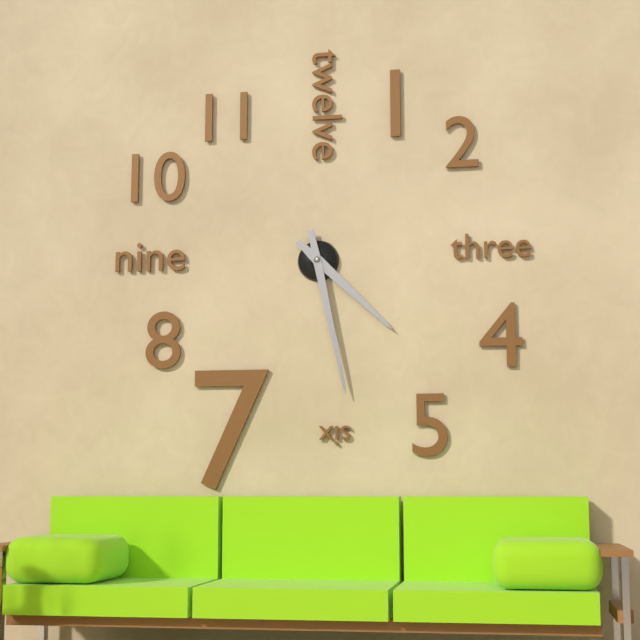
**4:28**
